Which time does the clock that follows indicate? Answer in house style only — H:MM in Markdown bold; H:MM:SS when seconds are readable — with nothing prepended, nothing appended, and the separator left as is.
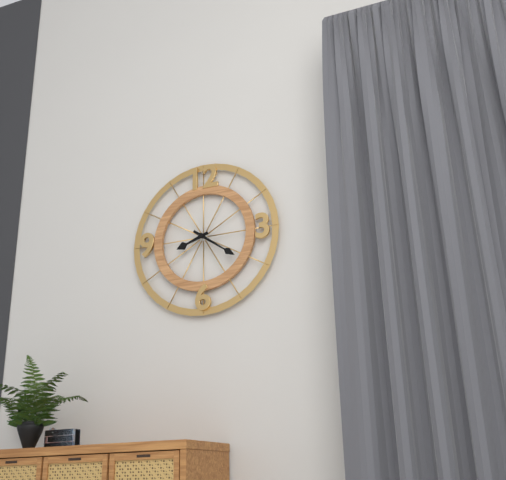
**8:21**
